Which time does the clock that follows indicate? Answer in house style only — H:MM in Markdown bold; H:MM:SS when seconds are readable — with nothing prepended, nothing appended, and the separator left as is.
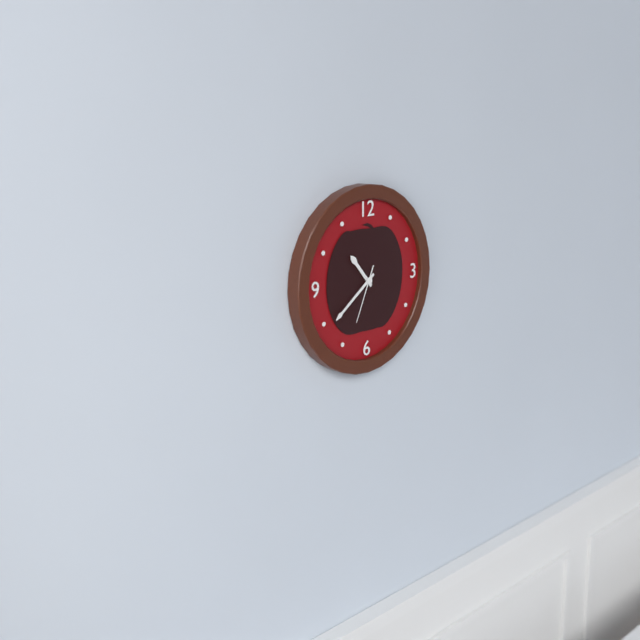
**10:39:34**
